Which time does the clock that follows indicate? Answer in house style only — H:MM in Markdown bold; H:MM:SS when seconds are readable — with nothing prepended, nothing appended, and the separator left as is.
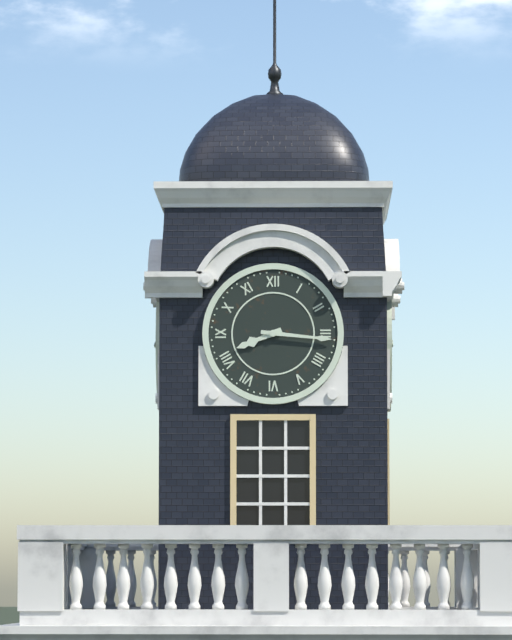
**8:16**
